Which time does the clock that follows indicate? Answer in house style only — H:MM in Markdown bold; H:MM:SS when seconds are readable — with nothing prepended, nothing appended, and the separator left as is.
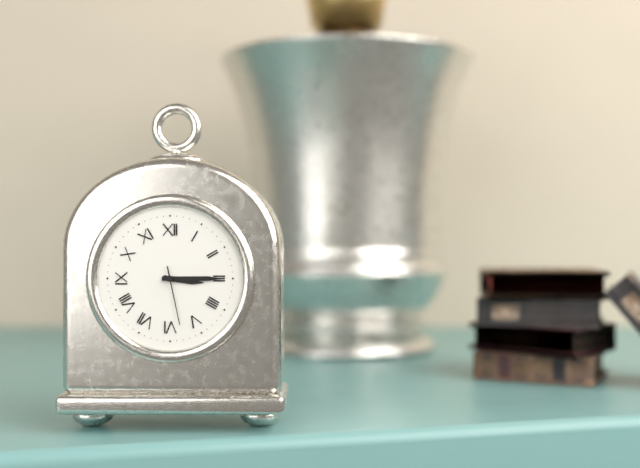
**3:15:28**
